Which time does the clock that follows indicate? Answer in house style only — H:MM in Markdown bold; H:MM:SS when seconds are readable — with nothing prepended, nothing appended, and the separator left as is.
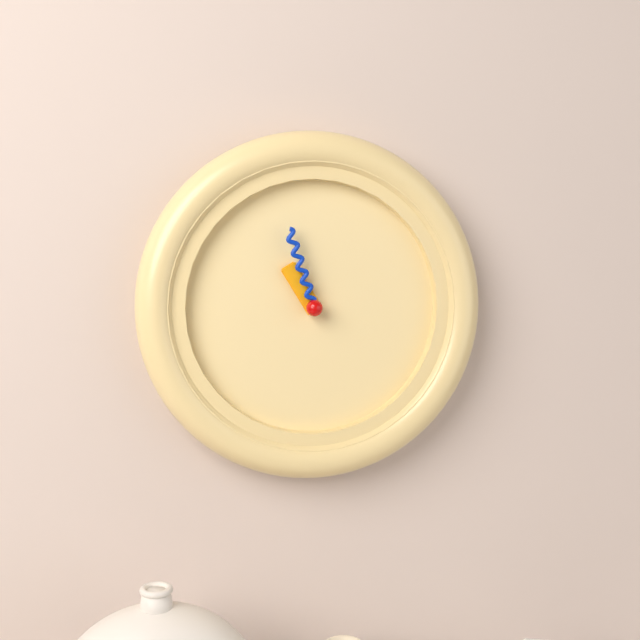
**10:57**
